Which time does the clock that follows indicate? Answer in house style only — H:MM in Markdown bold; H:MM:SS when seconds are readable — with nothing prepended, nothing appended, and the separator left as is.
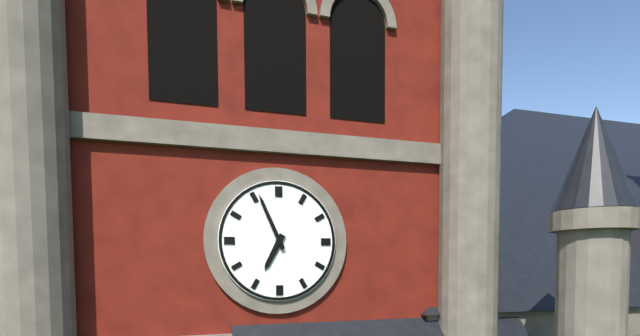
**6:56**
